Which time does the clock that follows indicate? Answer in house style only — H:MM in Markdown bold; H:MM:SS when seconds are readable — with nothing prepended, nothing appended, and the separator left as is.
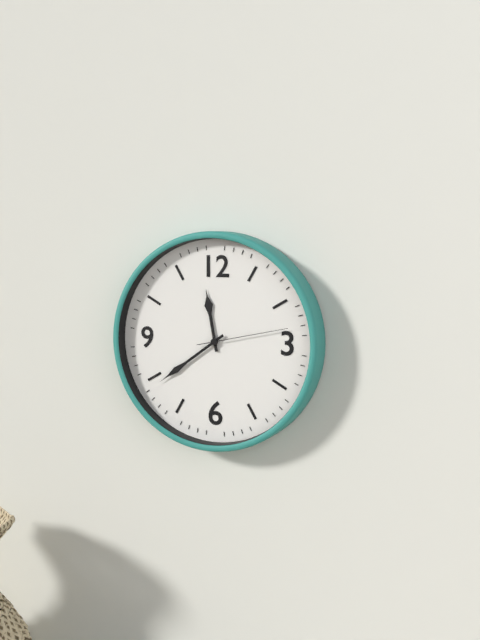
**11:39:13**
